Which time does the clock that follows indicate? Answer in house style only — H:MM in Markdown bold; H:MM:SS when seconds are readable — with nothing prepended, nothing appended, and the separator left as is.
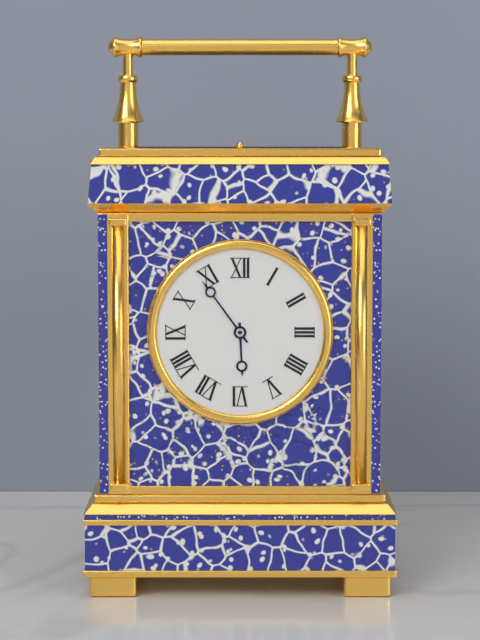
**5:54**
